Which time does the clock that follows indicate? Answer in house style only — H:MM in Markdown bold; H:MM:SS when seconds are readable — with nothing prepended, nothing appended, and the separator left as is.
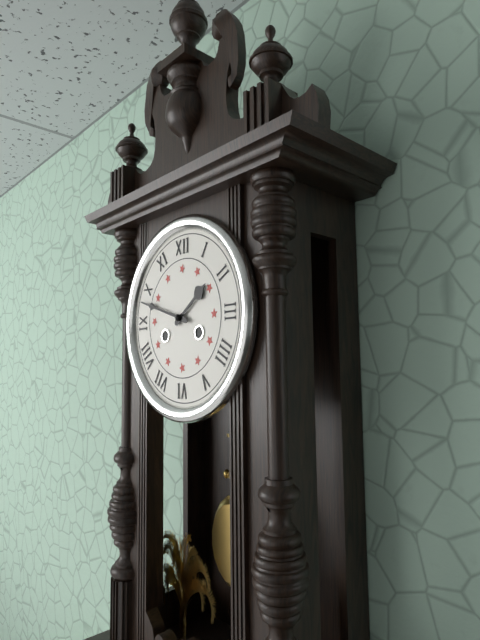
**1:48**
